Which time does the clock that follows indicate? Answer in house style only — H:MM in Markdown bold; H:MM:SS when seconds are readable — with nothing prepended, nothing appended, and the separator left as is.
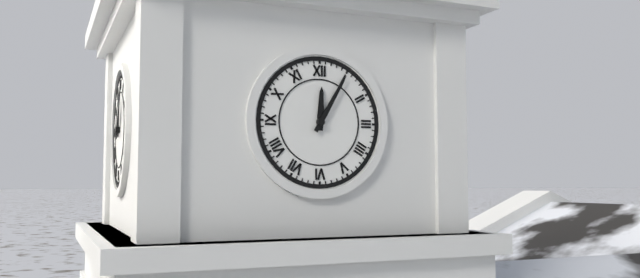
**12:05**
